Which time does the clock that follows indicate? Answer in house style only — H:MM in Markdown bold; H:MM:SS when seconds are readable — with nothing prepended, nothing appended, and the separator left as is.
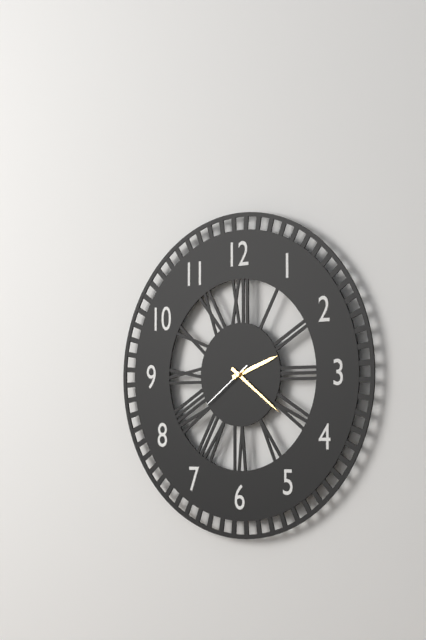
**2:21:39**
